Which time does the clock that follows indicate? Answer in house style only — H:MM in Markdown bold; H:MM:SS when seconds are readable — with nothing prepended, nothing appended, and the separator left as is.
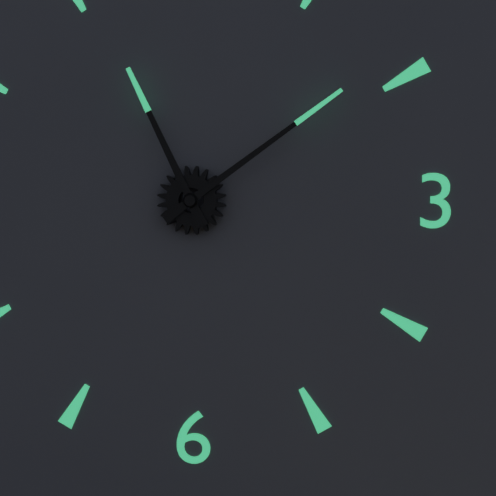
**11:09**
